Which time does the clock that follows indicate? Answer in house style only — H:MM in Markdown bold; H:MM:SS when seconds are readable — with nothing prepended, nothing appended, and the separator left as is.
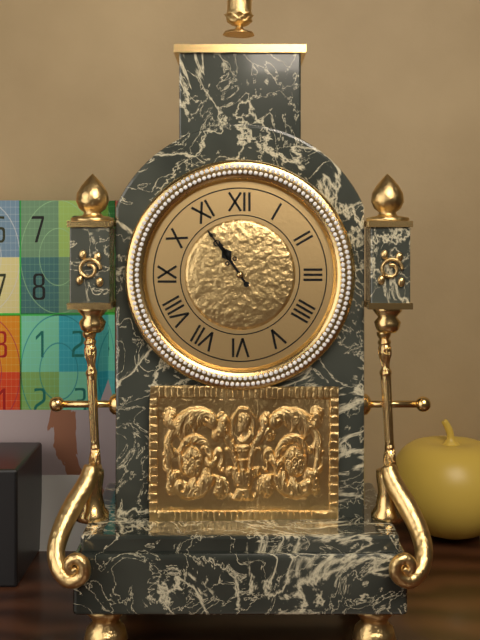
**10:54**
